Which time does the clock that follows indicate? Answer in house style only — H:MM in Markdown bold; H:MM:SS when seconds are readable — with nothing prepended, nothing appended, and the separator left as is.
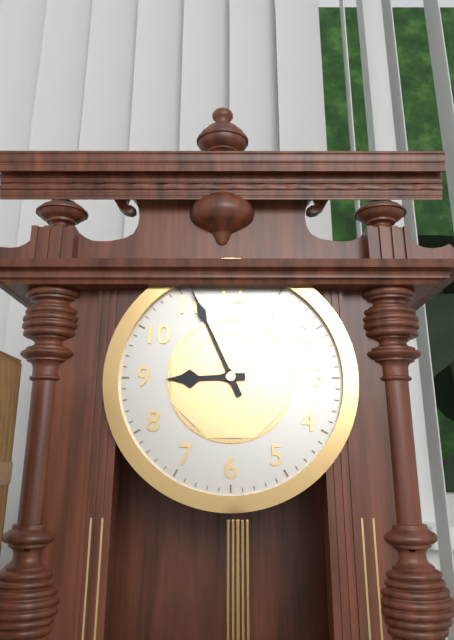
**8:56**
